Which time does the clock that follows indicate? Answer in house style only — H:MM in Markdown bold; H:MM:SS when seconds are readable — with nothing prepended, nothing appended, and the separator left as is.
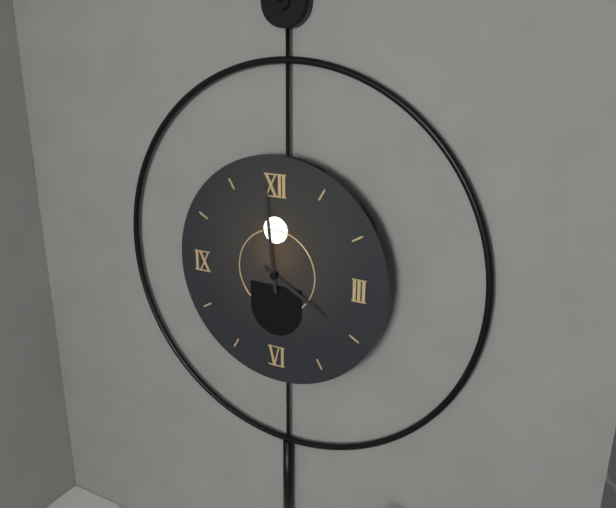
**3:59**
